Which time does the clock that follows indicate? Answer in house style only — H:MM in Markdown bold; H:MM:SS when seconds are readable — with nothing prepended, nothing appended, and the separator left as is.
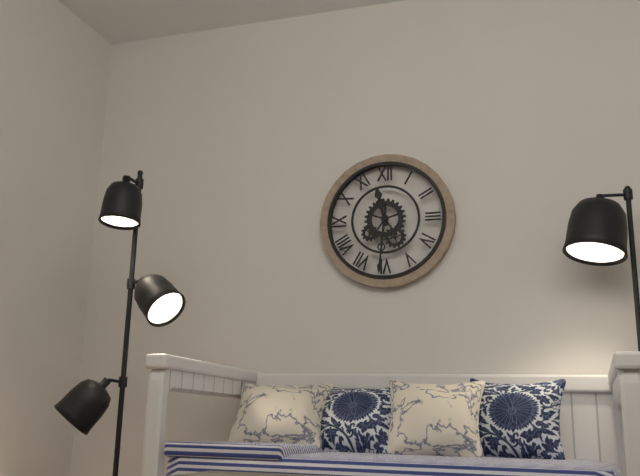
**11:31**
